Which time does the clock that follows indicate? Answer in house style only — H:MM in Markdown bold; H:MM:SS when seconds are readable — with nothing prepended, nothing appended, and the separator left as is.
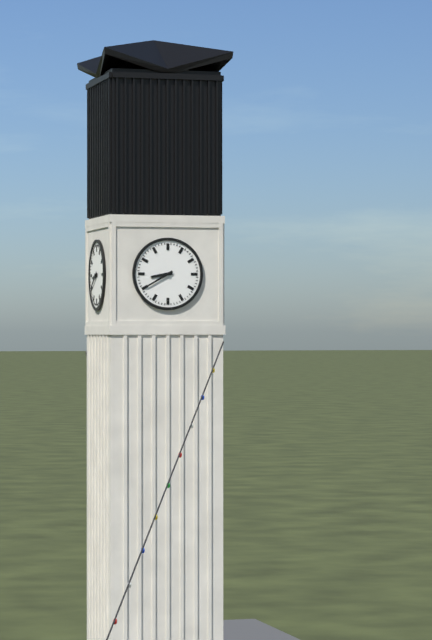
**8:40**
